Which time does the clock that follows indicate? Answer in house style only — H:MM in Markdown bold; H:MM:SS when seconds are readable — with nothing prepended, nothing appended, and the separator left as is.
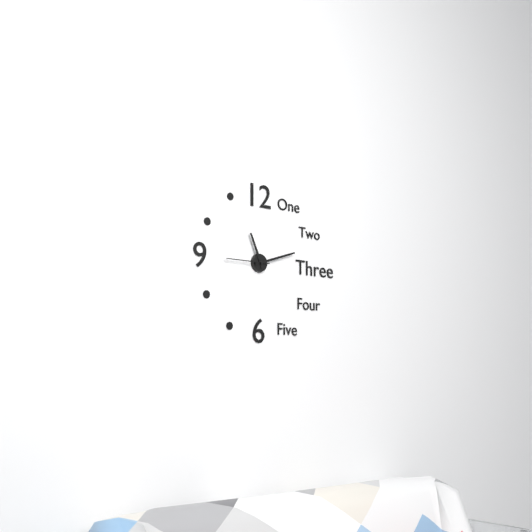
**11:12**
